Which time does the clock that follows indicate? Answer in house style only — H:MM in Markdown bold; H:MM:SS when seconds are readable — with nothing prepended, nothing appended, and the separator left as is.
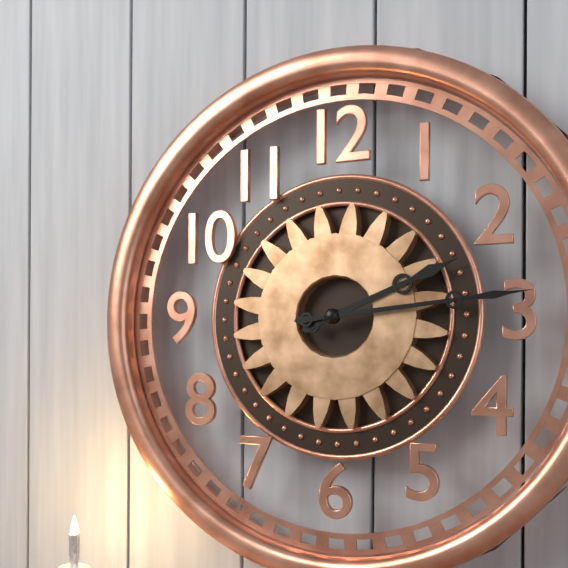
**2:14**
